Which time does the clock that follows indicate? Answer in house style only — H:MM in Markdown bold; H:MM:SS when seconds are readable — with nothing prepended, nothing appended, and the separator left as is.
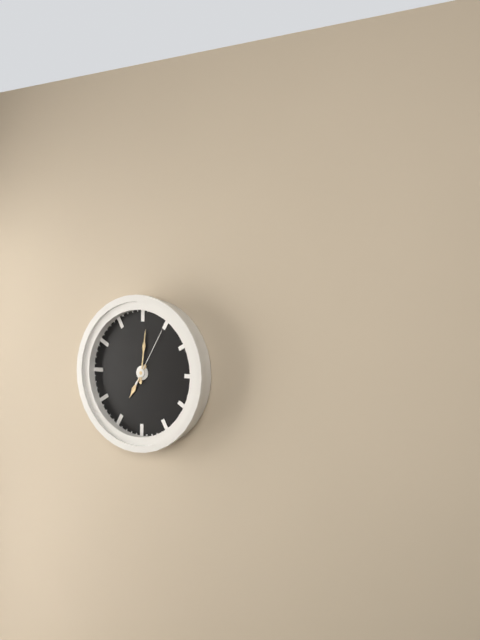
**7:01:05**
